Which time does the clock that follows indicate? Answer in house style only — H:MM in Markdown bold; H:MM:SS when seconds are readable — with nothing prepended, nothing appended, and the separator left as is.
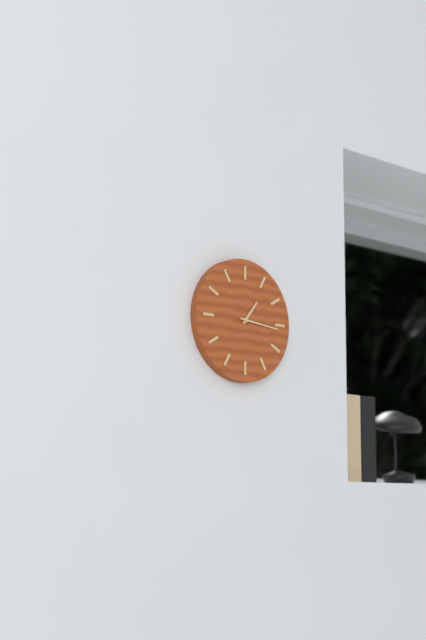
**1:16**
